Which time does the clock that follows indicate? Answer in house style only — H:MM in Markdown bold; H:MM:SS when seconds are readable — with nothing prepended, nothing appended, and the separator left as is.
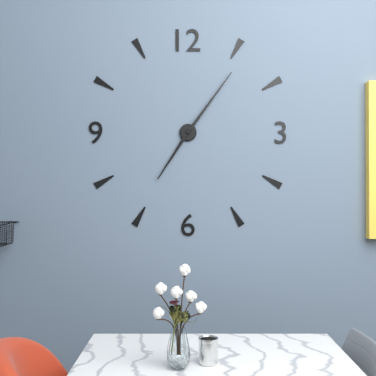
**7:06**
